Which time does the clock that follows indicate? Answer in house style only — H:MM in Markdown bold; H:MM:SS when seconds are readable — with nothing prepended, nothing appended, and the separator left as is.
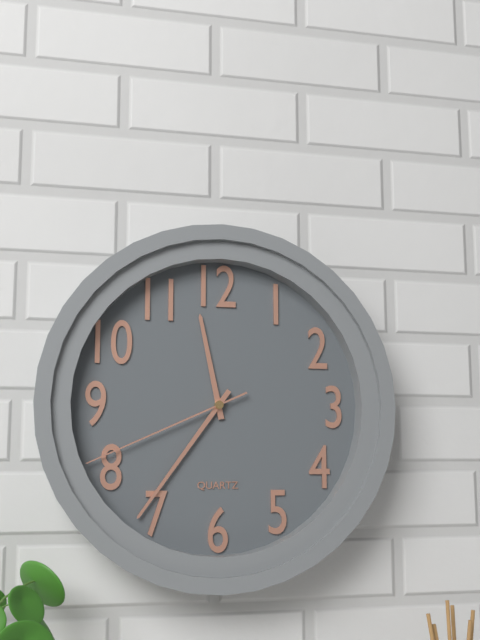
**11:36:41**
